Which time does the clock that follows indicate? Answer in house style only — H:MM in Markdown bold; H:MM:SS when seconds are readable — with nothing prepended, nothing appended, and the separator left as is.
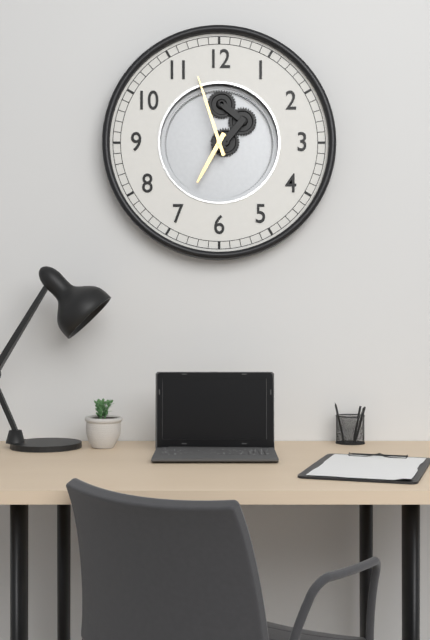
**6:57**
